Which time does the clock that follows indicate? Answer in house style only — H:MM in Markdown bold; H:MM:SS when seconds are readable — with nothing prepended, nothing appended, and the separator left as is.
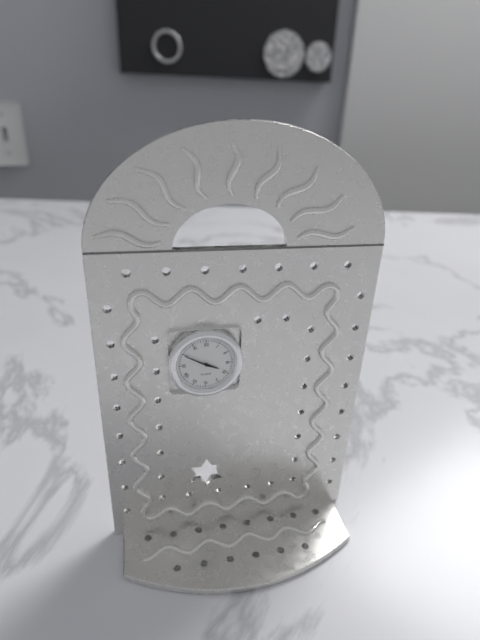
**3:50**
